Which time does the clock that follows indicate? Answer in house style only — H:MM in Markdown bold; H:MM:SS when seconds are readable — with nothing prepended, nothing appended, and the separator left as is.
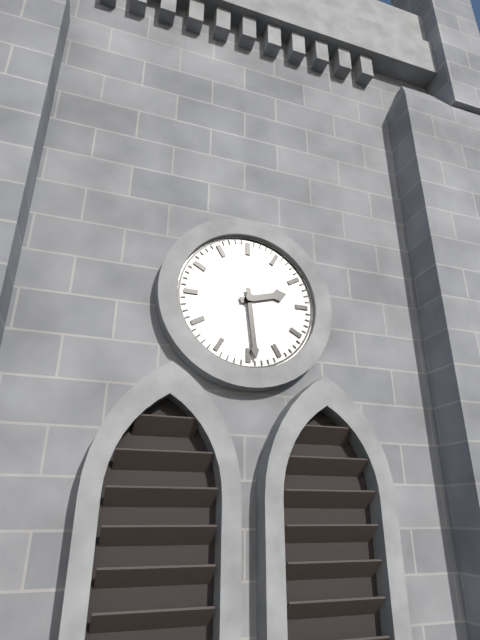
**2:29**
